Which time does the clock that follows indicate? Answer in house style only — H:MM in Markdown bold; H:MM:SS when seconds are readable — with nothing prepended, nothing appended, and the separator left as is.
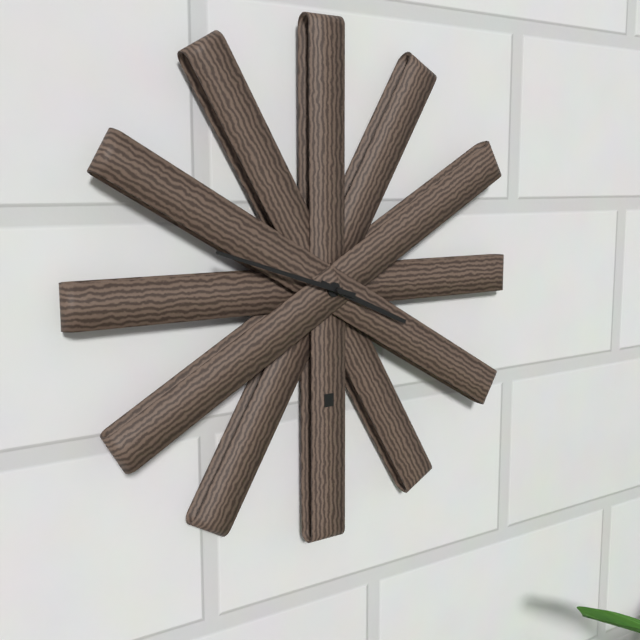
**3:48**
